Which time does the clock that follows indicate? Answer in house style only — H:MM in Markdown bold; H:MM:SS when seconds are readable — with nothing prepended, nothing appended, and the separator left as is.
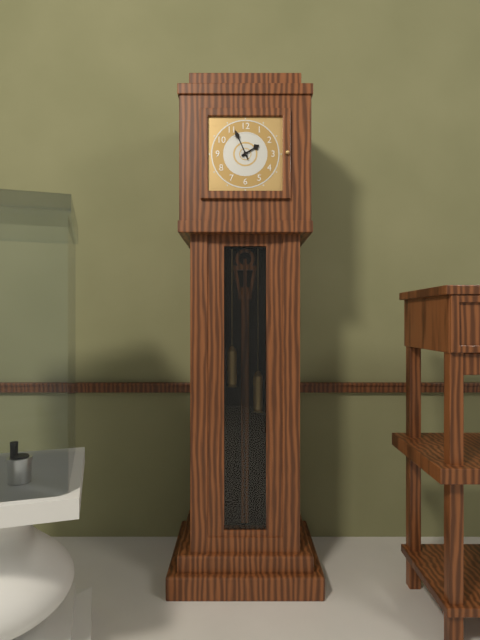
**1:56**
